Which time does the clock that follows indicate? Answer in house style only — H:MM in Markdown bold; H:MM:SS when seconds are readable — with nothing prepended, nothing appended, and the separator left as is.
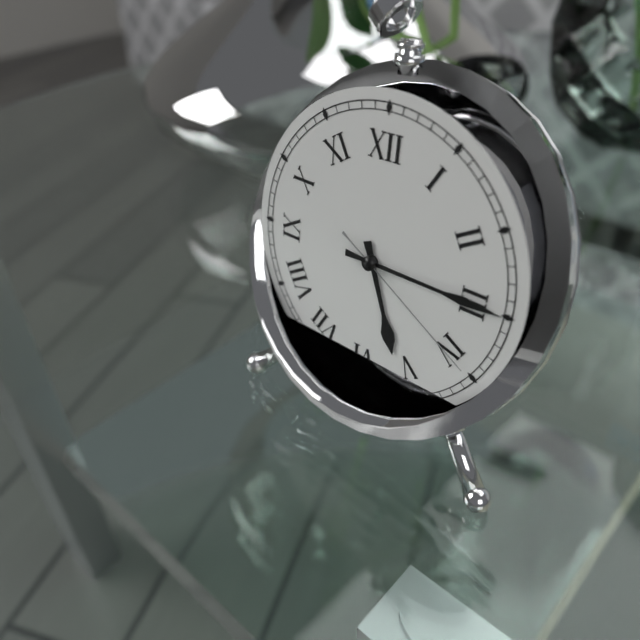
**5:15:20**
